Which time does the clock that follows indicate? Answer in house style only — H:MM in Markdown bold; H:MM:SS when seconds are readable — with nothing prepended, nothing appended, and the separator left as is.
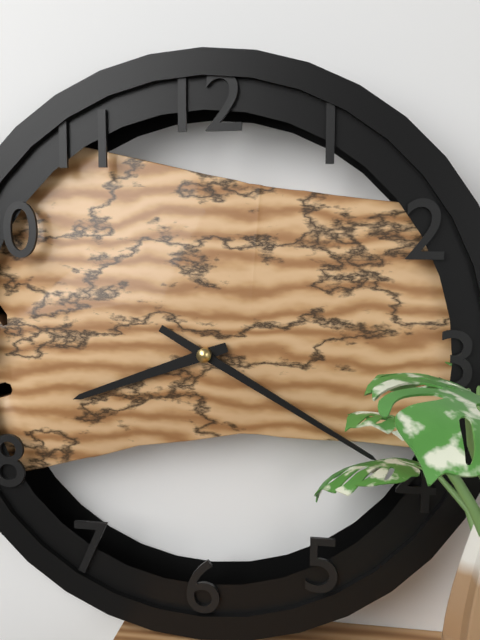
**8:20**
